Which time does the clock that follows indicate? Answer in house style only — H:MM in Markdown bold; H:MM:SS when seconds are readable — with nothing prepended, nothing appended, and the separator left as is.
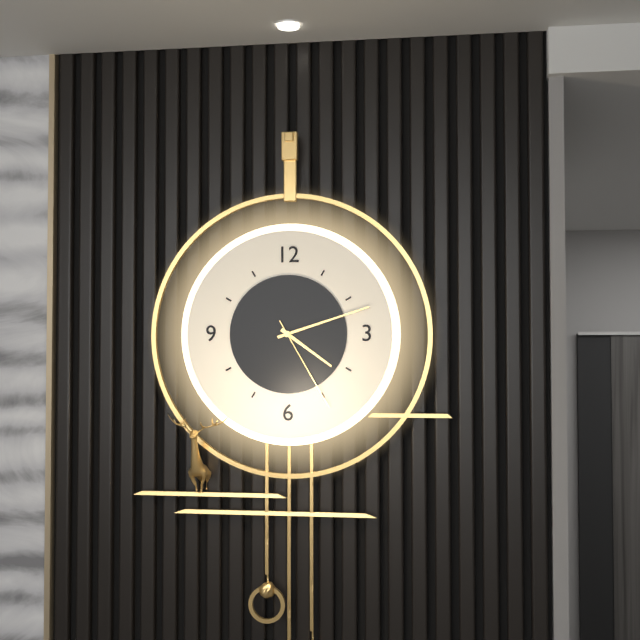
**4:12:25**
